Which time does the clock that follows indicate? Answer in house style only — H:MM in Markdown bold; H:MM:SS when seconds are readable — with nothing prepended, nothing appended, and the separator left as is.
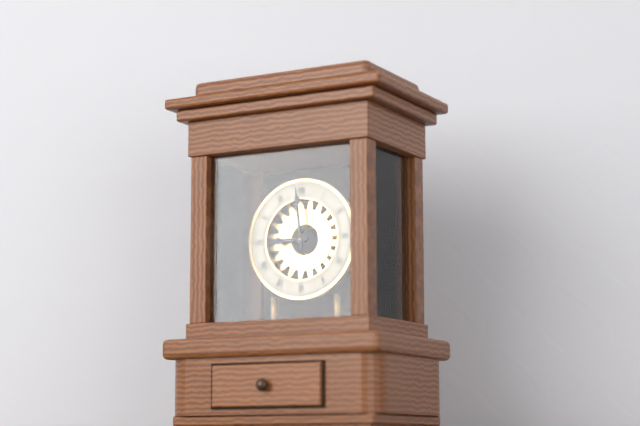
**8:59**
